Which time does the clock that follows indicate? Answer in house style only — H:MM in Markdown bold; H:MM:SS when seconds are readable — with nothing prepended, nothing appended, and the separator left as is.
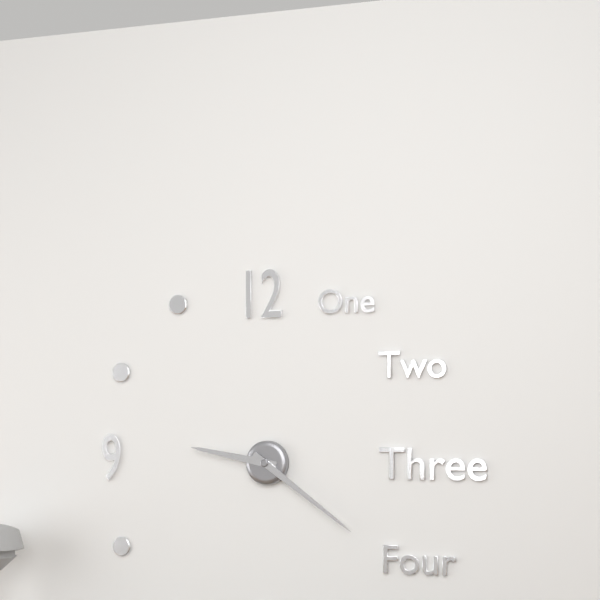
**9:21**
